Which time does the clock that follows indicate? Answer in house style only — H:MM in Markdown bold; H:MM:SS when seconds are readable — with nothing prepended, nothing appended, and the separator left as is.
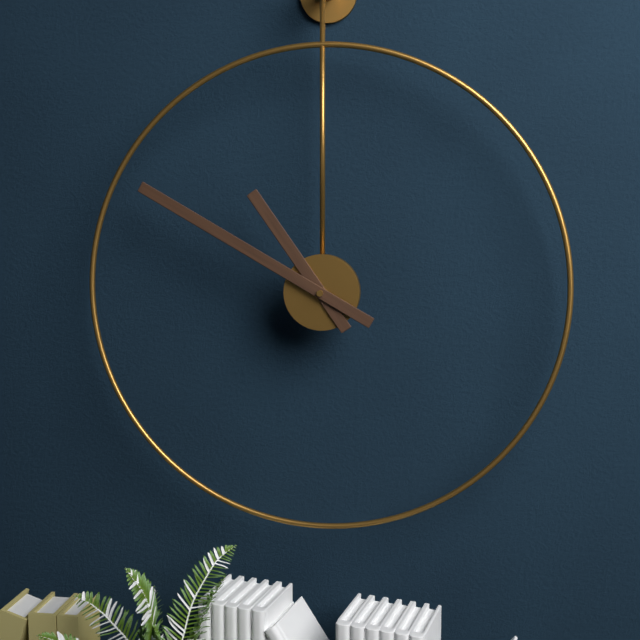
**10:50**
